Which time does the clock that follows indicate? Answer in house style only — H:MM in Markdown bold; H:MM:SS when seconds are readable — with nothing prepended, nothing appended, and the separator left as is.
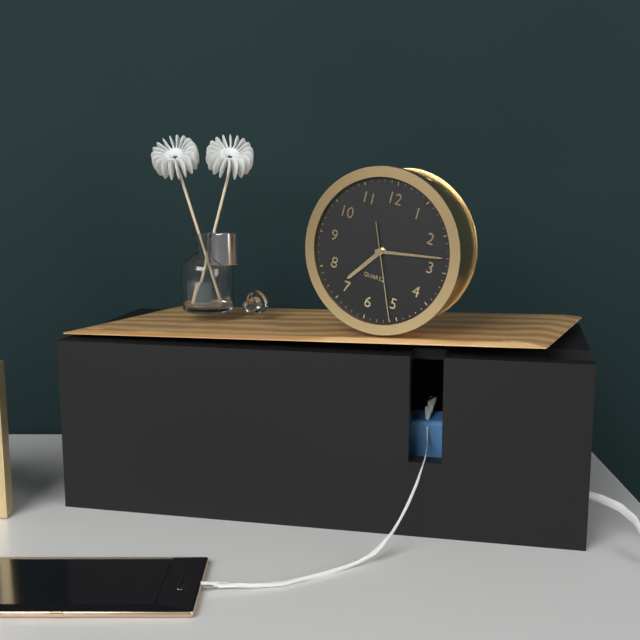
**7:13:26**
